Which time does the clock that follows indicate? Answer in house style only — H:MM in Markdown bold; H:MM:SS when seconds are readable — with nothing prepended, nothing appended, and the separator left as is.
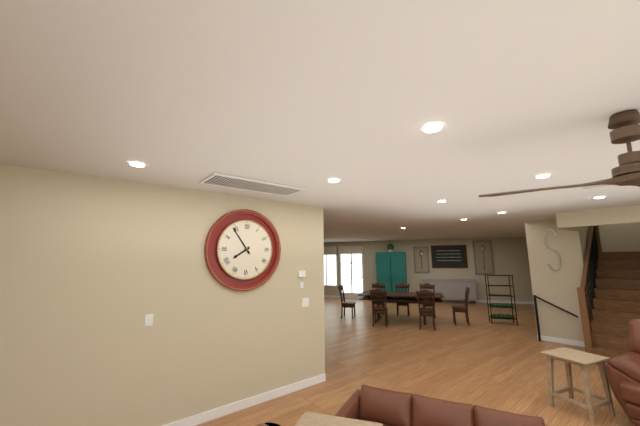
**7:54**
